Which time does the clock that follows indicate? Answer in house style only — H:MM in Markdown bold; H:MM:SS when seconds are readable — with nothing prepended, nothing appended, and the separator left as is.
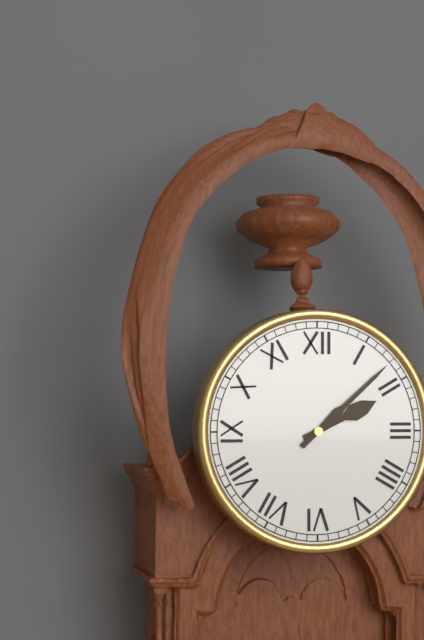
**2:08**
